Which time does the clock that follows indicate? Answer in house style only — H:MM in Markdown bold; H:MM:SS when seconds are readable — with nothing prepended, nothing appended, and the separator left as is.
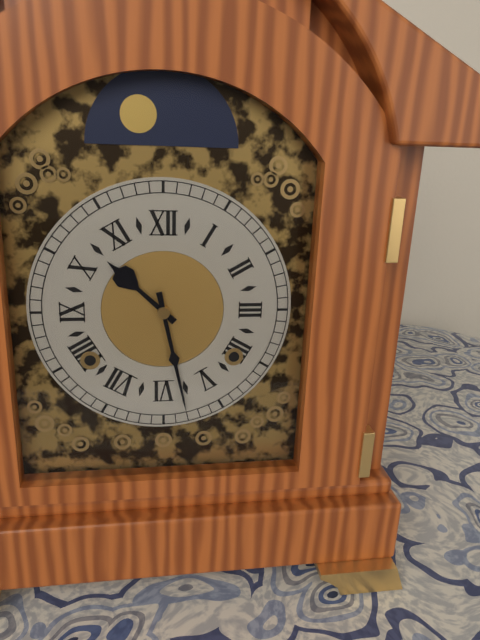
**10:28**
